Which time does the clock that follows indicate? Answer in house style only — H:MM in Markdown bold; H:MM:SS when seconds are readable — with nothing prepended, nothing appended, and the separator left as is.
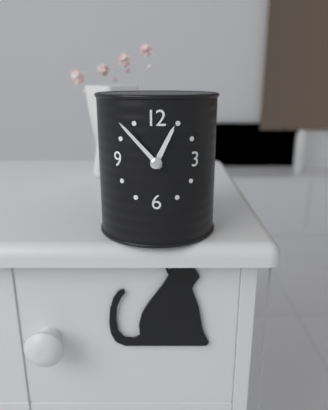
**12:53**
